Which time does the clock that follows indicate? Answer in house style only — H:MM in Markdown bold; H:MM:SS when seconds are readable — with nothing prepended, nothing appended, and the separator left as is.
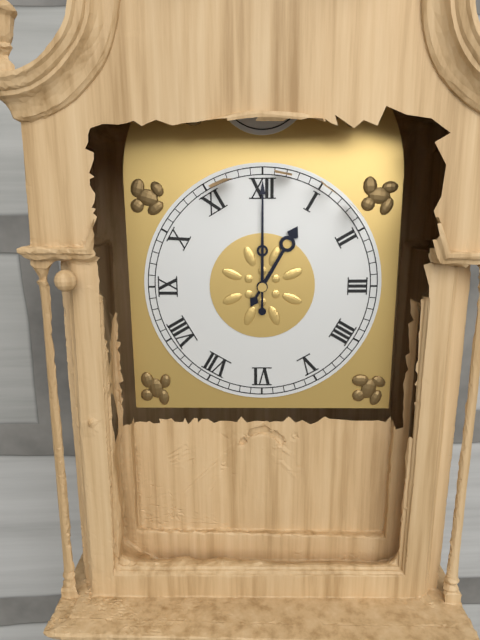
**1:00**
